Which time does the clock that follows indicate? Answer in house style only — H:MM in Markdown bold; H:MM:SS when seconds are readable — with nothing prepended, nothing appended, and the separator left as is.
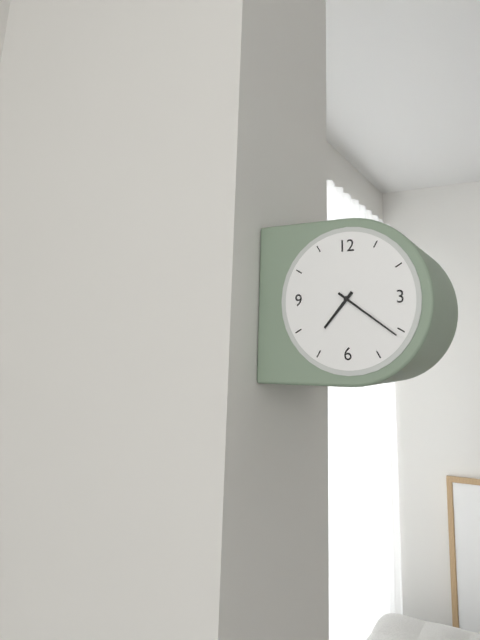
**7:21**
